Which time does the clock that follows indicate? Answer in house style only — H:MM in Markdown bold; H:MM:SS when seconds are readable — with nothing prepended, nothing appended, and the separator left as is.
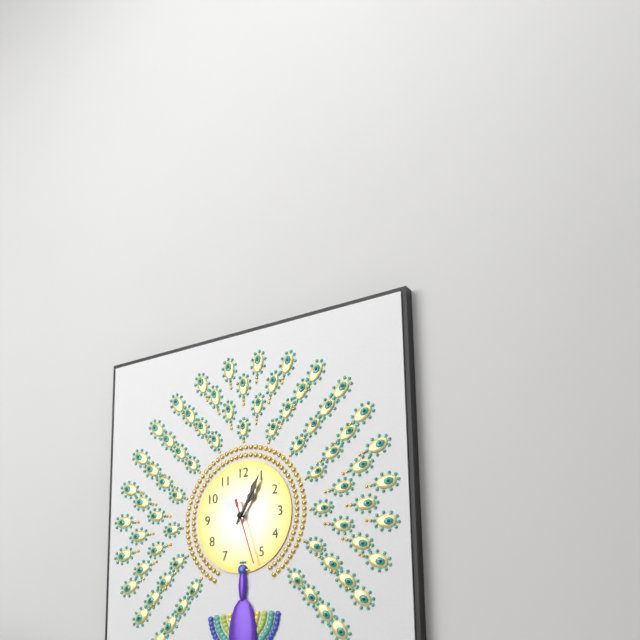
**1:05:27**
